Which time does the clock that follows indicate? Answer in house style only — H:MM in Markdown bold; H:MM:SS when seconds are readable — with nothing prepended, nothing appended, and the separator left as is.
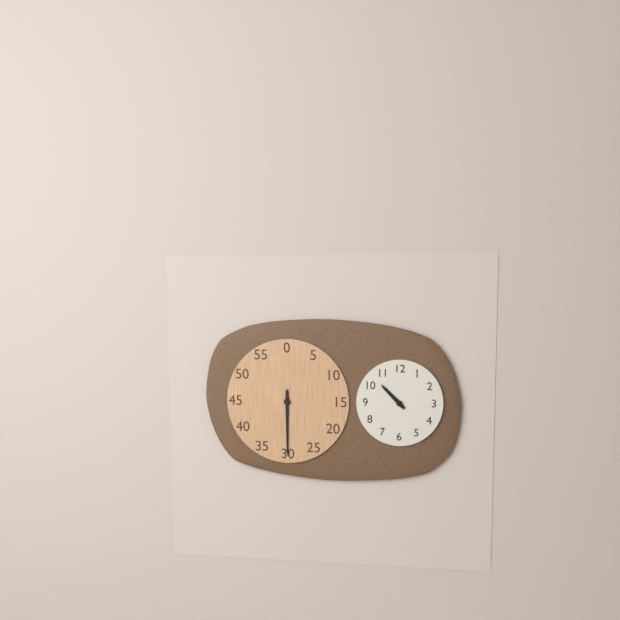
**10:30**
